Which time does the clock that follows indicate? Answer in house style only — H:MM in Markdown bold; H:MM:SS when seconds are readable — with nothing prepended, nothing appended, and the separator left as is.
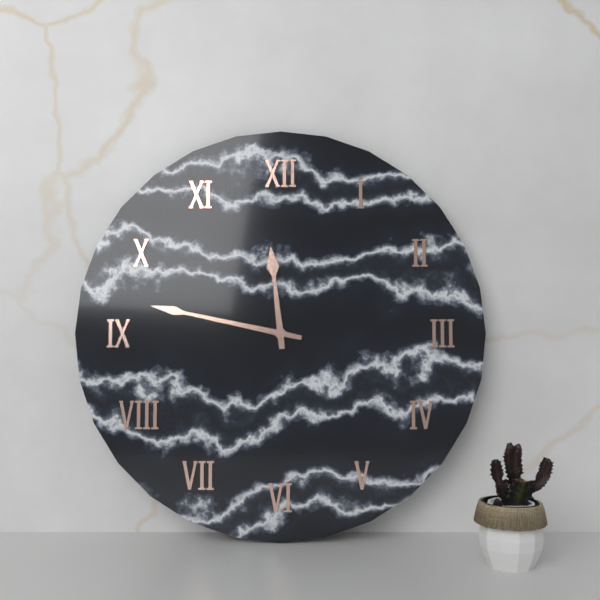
**11:47**
